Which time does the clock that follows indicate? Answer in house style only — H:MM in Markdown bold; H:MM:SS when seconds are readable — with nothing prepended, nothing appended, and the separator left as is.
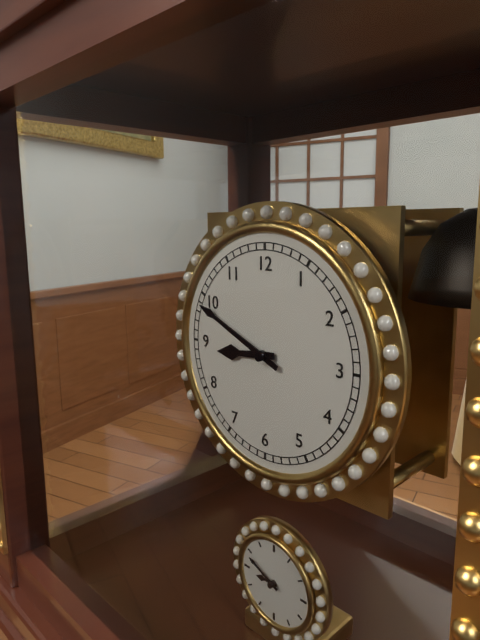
**8:49**
